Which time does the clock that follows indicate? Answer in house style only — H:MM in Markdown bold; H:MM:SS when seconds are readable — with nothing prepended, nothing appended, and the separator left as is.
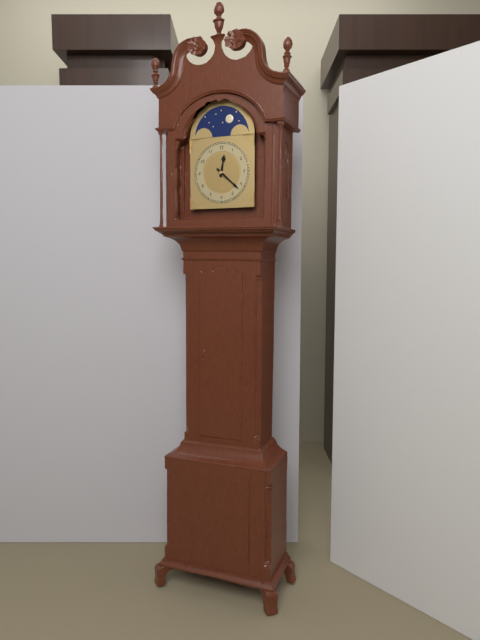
**12:22**
